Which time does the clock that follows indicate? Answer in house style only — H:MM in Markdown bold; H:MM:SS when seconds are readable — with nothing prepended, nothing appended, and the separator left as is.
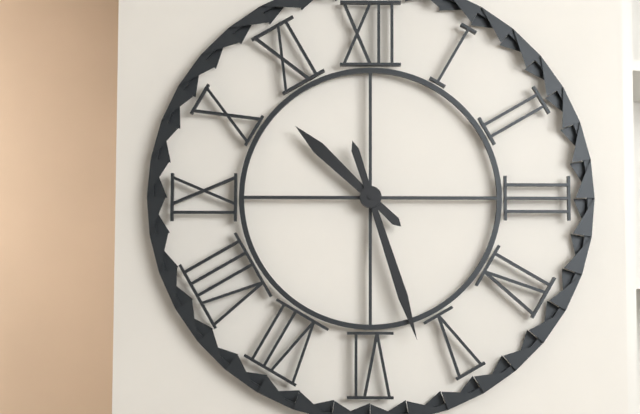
**10:27**
